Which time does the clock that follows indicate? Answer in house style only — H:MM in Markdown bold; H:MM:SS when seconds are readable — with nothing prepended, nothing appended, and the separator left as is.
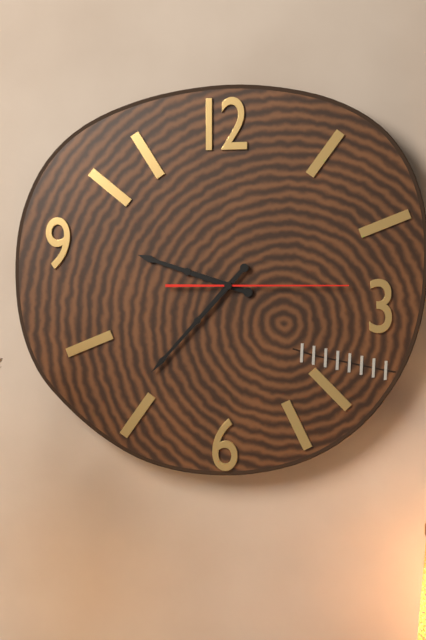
**9:37:15**
